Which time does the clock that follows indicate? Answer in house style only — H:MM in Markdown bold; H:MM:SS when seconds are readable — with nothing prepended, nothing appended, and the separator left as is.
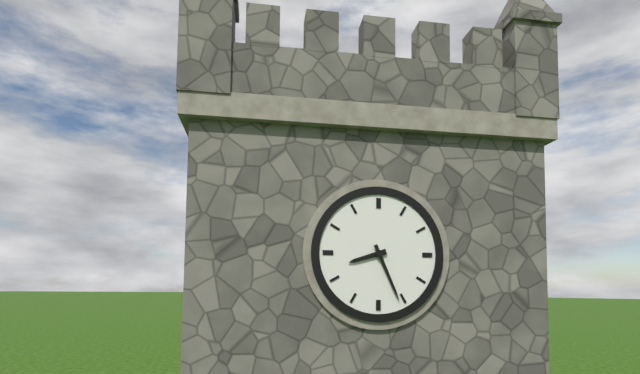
**8:26**
